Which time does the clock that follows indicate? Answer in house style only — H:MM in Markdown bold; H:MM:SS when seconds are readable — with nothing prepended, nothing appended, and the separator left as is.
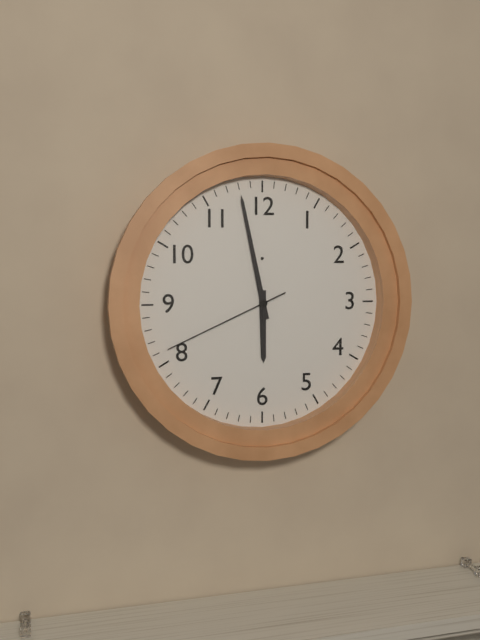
**5:58:41**
